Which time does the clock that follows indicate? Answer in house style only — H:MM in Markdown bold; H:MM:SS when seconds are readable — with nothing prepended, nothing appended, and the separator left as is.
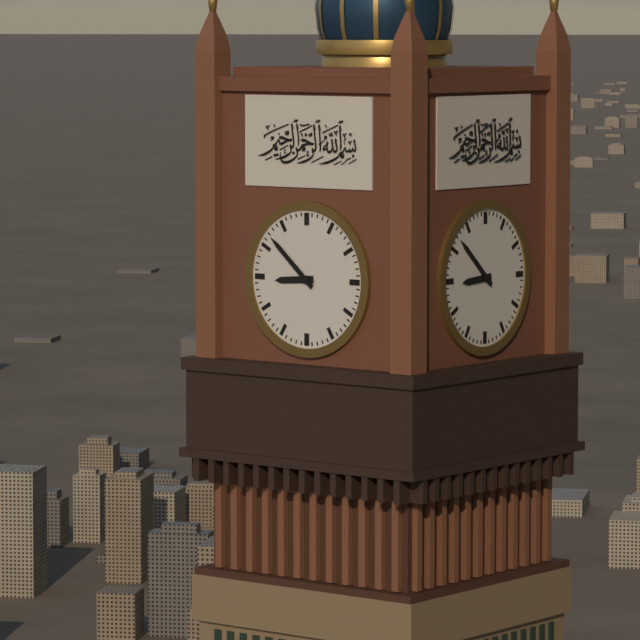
**8:52**
